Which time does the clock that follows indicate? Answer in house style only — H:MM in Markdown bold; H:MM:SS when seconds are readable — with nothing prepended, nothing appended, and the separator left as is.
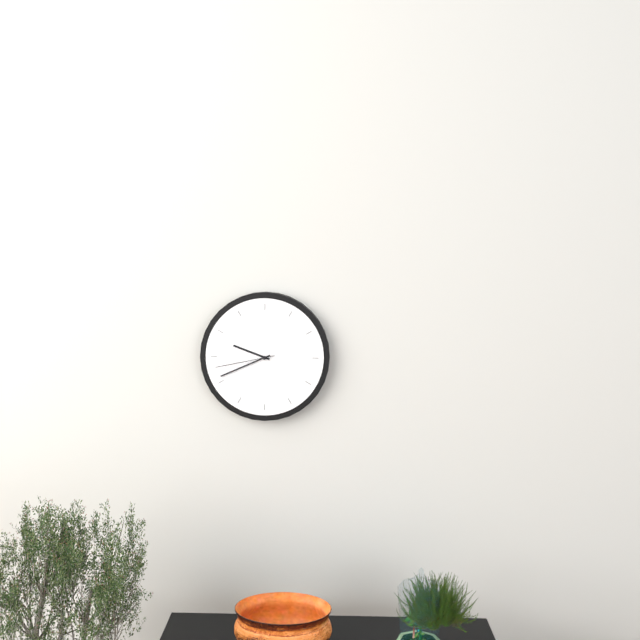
**9:41:43**
